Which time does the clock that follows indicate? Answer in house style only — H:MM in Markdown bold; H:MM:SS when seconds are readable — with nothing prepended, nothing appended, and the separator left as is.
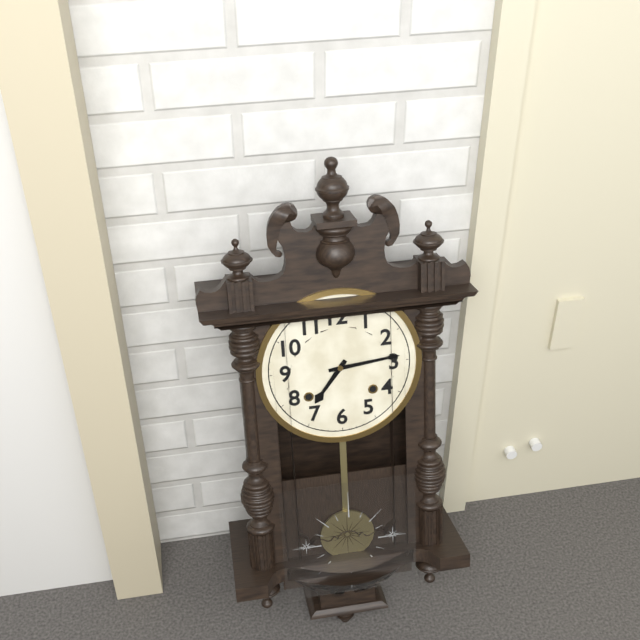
**7:14**
